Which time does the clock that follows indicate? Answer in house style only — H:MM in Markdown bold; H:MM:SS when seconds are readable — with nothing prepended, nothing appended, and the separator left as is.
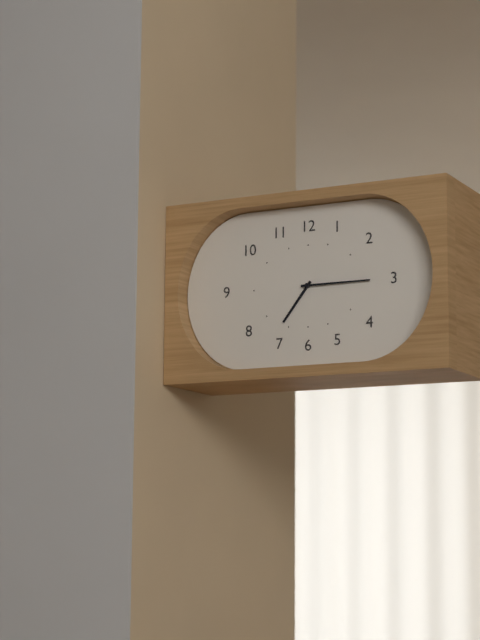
**7:15**
